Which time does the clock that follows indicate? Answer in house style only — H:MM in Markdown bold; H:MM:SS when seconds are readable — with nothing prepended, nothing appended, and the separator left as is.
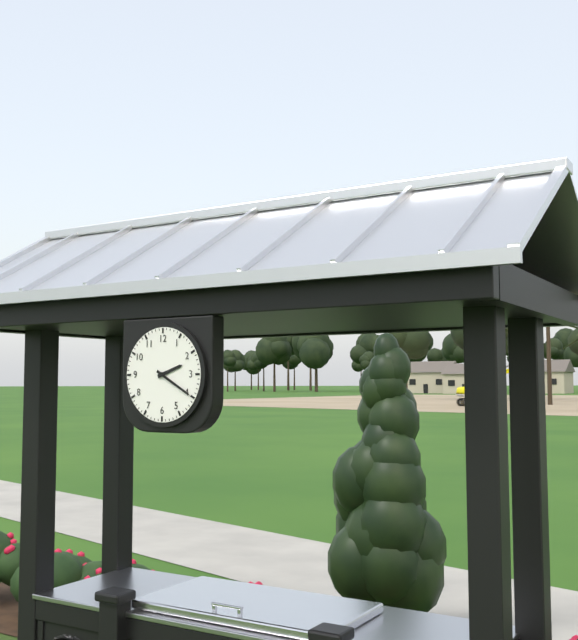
**2:20**
